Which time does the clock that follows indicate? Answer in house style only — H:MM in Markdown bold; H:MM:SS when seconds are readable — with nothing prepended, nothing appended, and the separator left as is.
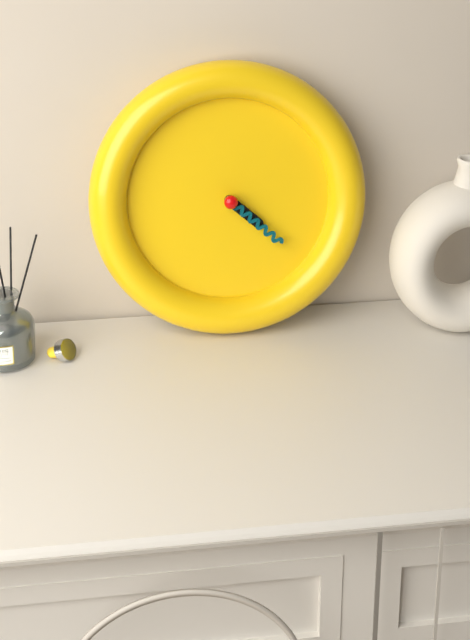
**4:22**
